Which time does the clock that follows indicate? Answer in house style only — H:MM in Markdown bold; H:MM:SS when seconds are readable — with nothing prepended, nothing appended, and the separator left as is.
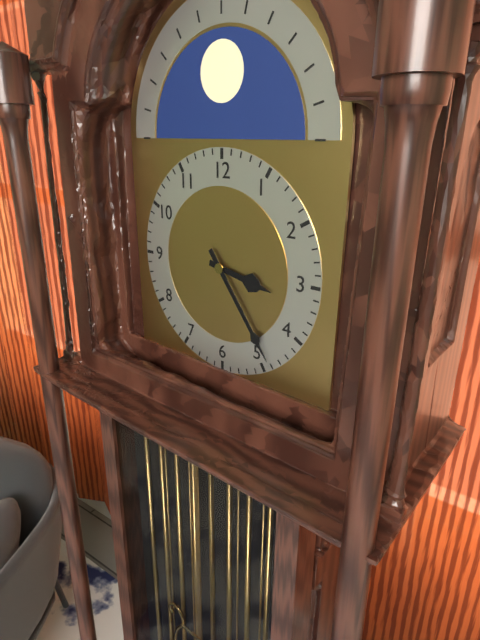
**3:24**
